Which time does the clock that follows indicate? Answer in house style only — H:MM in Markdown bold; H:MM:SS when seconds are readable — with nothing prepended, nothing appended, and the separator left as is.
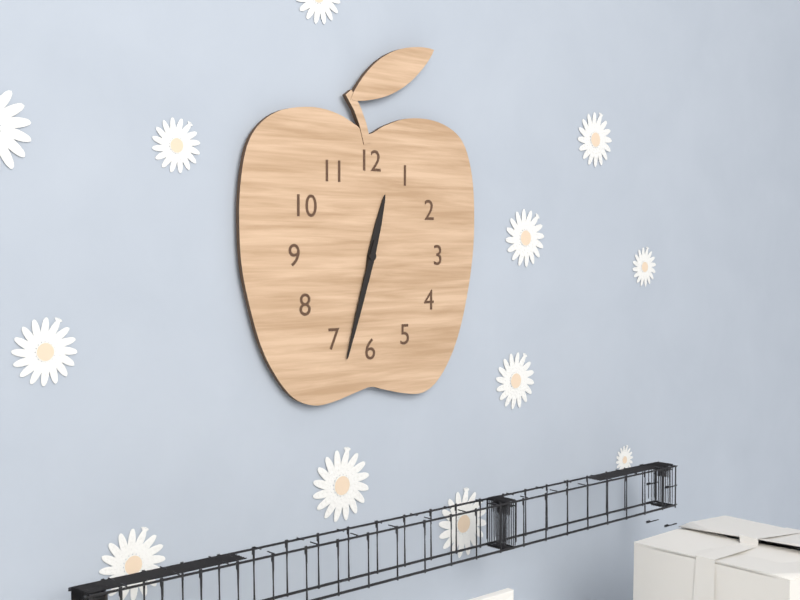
**12:33**
